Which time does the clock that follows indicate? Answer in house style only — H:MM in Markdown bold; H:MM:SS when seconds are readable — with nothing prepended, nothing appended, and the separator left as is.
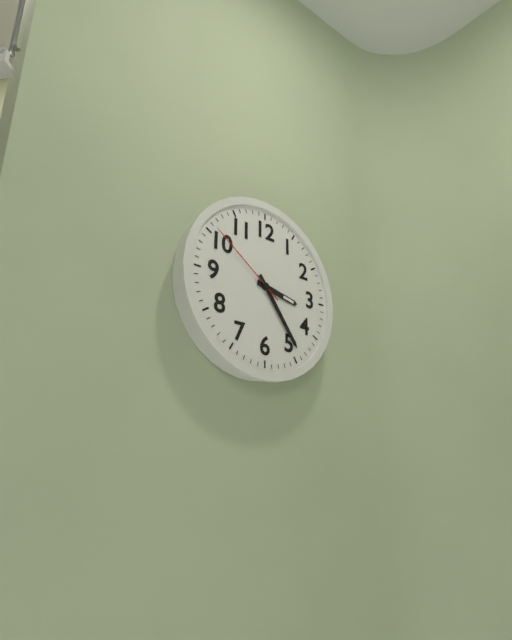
**3:24:51**
